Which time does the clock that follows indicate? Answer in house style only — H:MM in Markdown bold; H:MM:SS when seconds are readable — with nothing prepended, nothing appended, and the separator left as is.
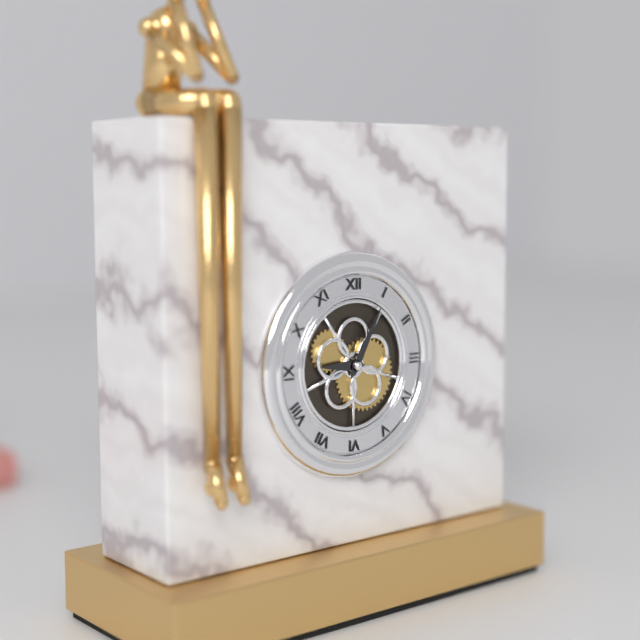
**9:05**
